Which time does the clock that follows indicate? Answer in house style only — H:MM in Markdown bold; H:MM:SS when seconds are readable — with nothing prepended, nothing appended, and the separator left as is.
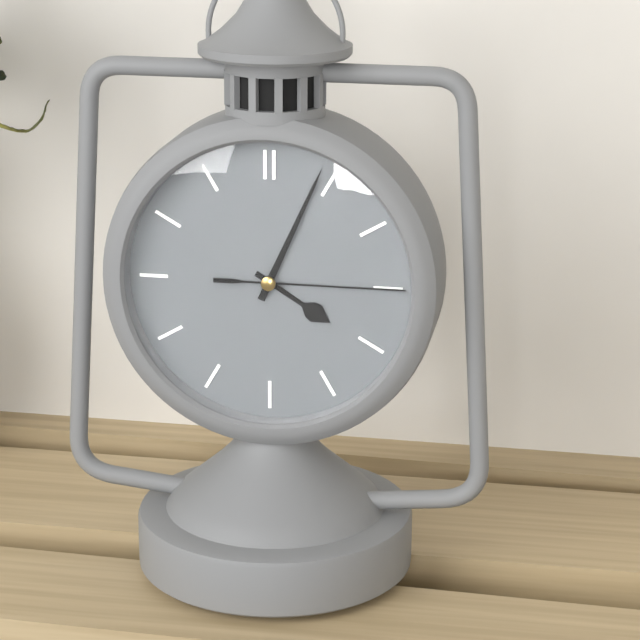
**4:04:15**
